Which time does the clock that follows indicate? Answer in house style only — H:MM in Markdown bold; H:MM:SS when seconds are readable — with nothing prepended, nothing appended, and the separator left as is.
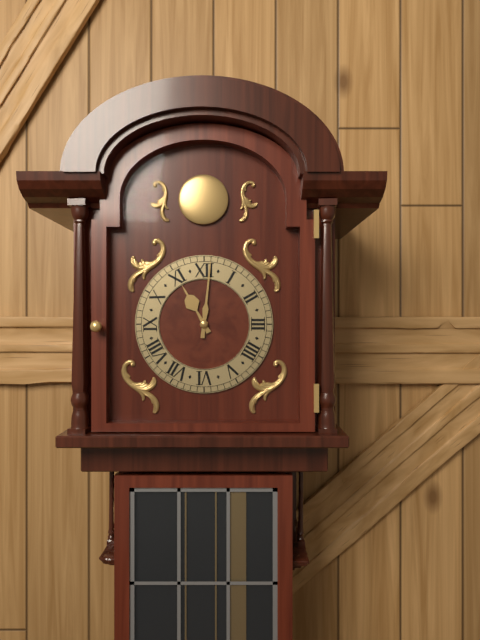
**11:01**
